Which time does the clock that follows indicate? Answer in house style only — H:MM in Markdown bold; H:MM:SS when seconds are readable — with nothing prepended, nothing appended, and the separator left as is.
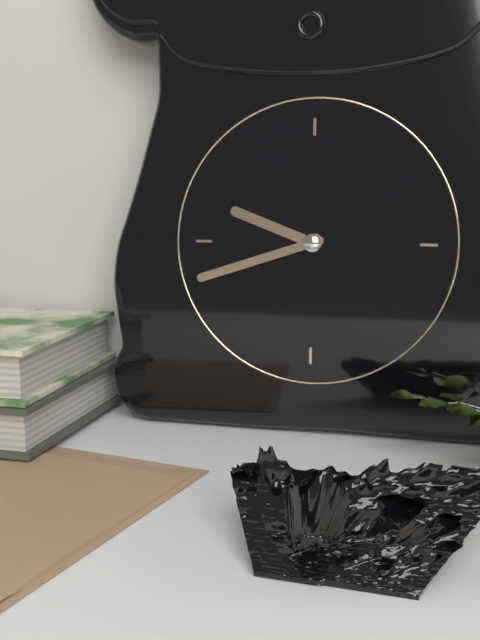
**9:42**
